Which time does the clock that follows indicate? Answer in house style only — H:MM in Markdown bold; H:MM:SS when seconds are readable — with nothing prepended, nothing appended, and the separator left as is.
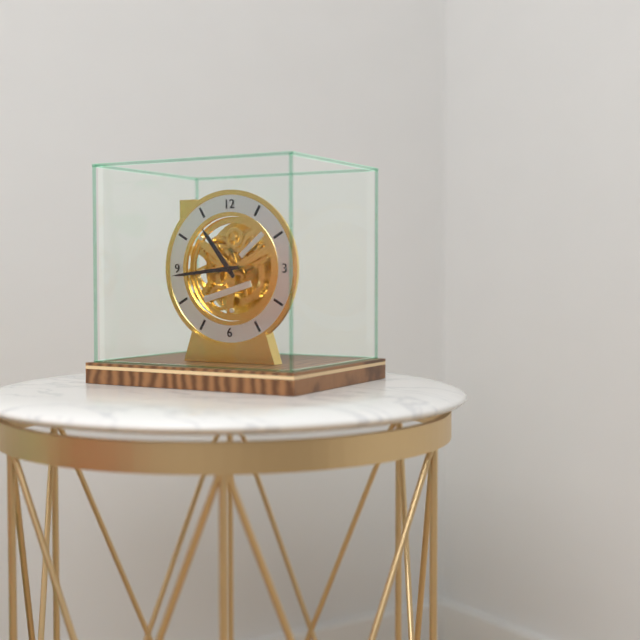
**10:44**
